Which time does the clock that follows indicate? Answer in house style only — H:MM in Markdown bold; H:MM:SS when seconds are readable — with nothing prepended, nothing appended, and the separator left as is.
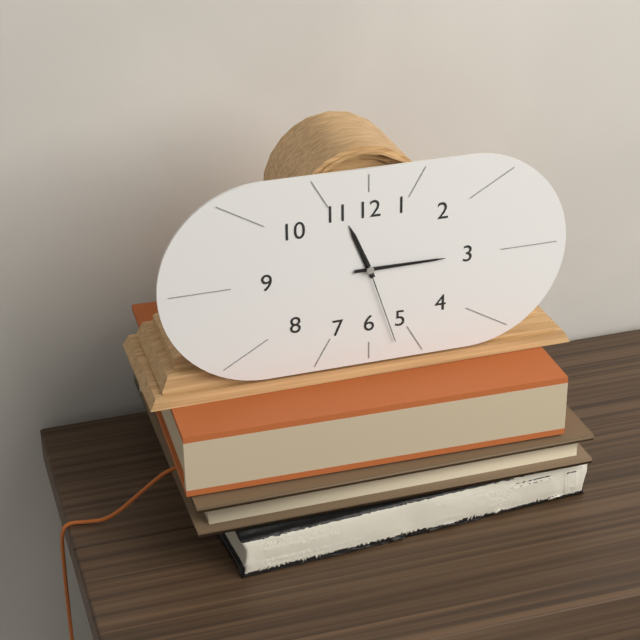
**11:15:27**
